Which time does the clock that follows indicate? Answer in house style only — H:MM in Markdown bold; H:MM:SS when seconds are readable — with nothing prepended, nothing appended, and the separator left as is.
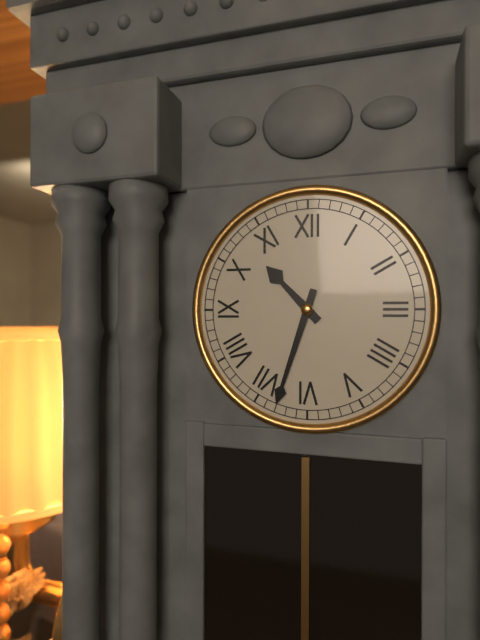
**10:33**
